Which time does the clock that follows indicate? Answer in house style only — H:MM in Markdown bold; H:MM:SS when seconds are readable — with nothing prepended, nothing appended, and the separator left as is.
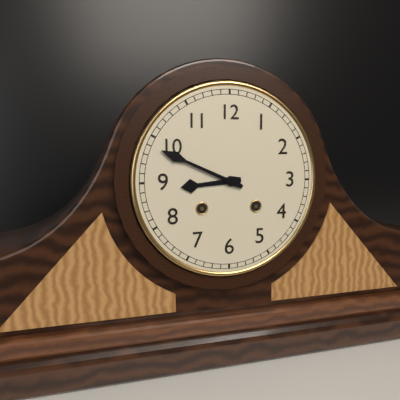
**8:49**
